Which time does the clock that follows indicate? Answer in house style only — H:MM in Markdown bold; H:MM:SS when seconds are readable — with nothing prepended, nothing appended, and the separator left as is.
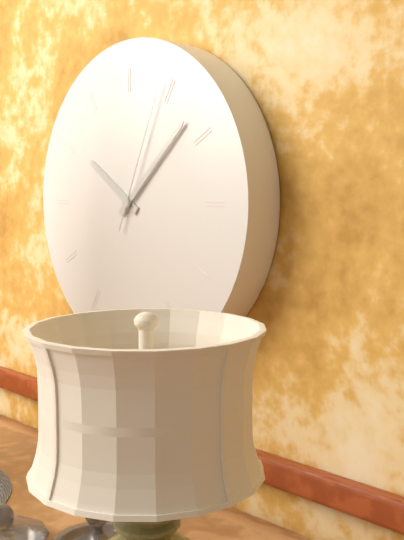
**10:08:04**
